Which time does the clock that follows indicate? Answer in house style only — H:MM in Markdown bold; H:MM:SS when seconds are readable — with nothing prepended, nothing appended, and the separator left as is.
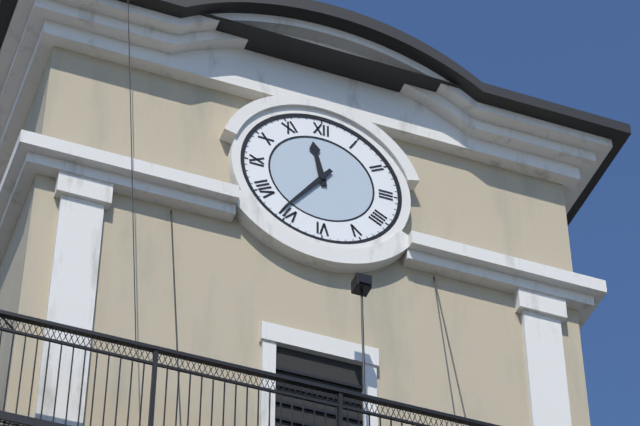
**11:36**
